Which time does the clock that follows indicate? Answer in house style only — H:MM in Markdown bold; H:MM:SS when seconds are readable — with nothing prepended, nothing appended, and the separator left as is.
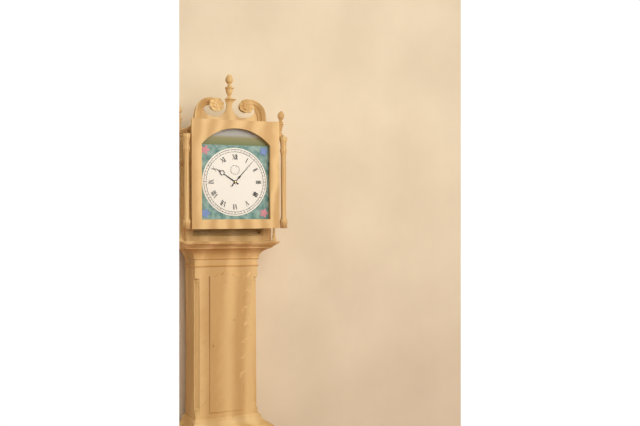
**10:07**
